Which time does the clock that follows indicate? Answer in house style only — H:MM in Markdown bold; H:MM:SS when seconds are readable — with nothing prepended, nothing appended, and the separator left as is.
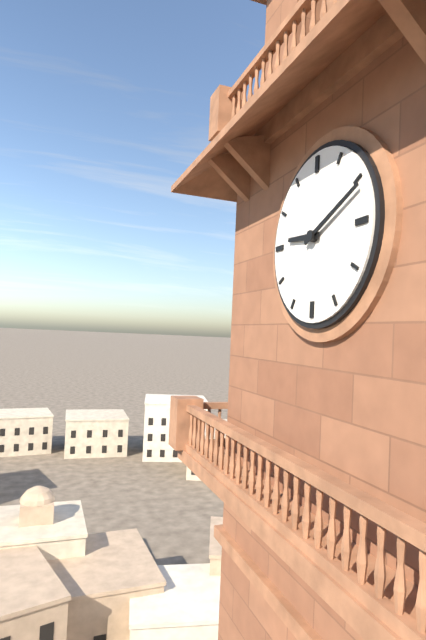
**9:11**
